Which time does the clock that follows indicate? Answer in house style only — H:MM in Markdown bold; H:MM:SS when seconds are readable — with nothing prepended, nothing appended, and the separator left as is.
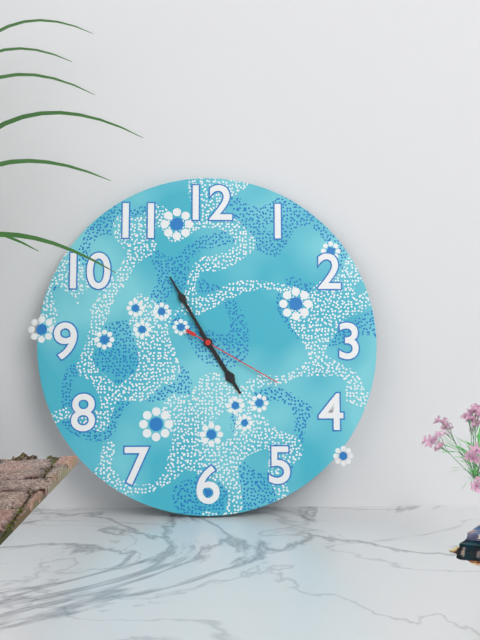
**4:55:20**
